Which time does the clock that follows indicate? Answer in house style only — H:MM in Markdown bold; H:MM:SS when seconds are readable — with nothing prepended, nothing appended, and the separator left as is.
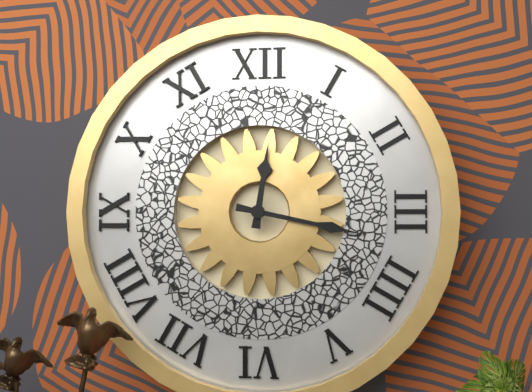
**12:17**
